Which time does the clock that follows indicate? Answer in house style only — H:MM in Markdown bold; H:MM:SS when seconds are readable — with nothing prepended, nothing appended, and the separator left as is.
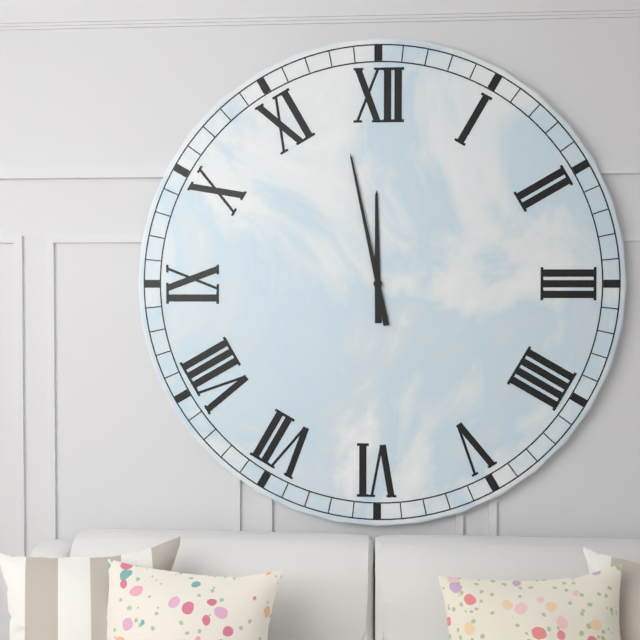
**11:58**
